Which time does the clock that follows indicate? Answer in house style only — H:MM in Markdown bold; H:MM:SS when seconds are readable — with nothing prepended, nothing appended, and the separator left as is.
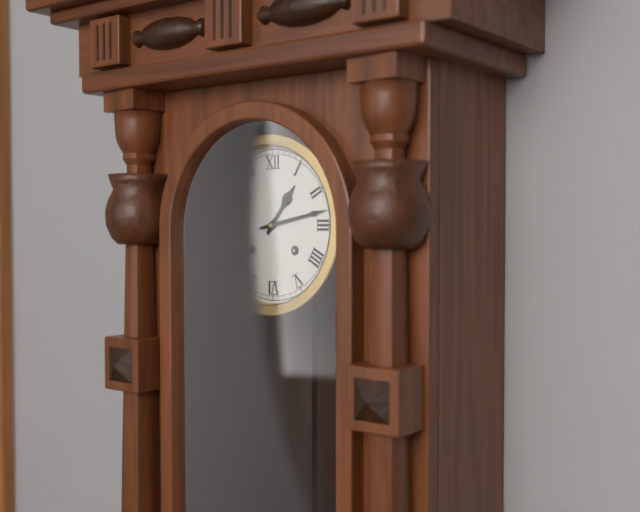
**1:13**
